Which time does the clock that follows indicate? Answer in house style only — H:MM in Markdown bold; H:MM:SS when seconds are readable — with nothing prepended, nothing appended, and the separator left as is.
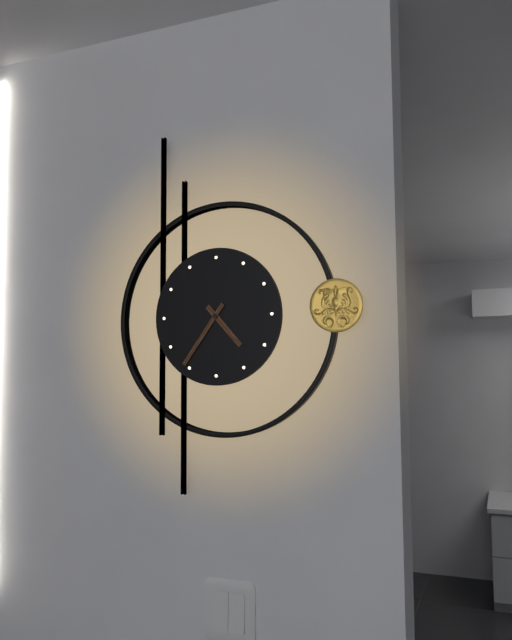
**4:36**
